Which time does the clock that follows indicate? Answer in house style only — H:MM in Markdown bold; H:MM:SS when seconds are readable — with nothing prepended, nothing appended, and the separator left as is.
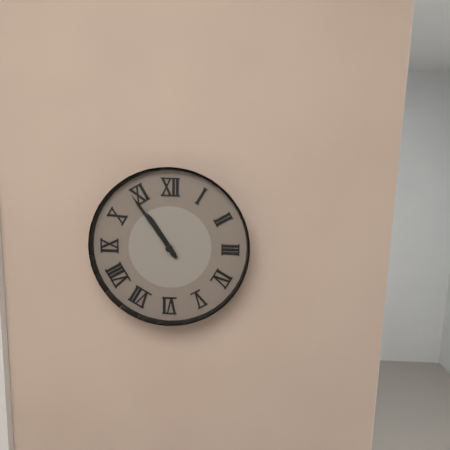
**10:54**
